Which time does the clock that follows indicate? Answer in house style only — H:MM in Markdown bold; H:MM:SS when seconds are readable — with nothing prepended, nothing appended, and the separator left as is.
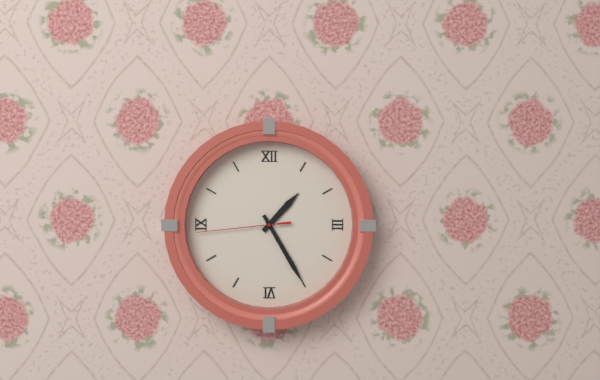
**1:25:44**
